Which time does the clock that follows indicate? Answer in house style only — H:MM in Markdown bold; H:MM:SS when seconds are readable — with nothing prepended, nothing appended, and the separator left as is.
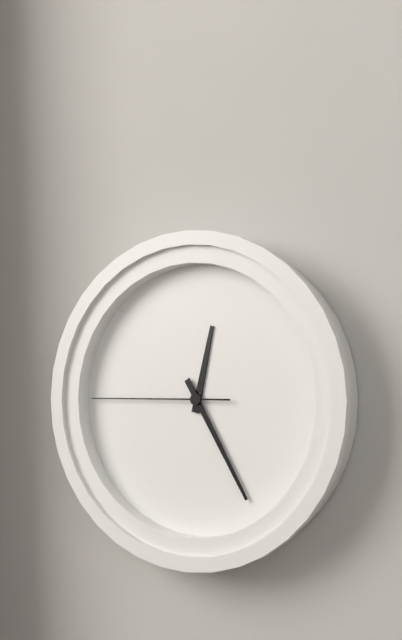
**12:25:45**
